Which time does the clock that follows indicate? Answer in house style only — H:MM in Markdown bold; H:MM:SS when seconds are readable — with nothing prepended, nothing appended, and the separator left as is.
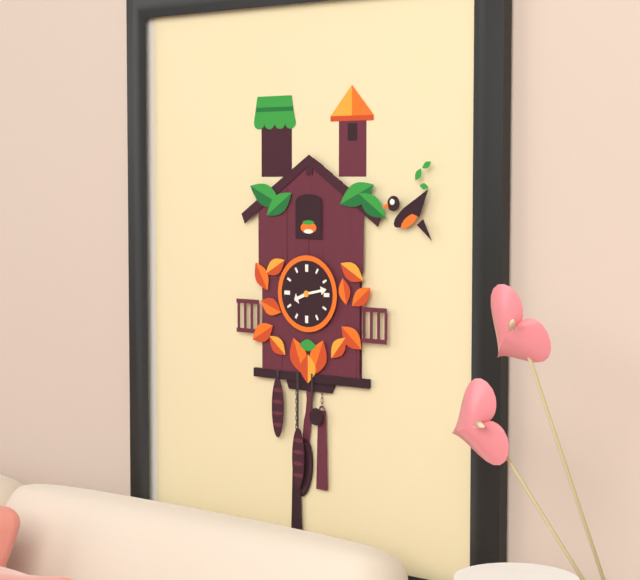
**8:13**
